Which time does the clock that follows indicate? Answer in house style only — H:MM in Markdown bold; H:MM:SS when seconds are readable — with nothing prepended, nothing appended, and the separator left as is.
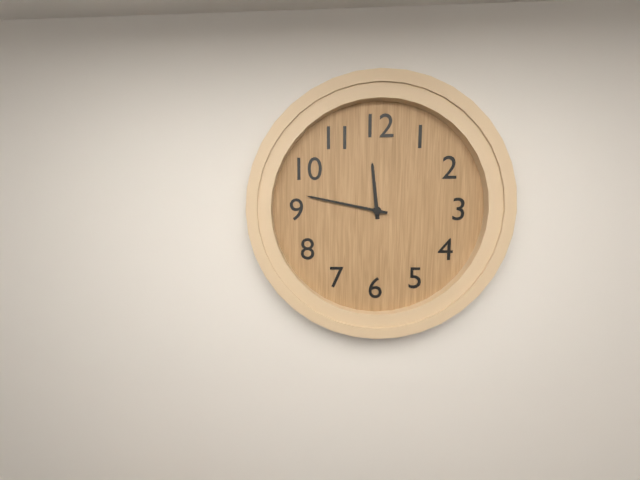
**11:47**
